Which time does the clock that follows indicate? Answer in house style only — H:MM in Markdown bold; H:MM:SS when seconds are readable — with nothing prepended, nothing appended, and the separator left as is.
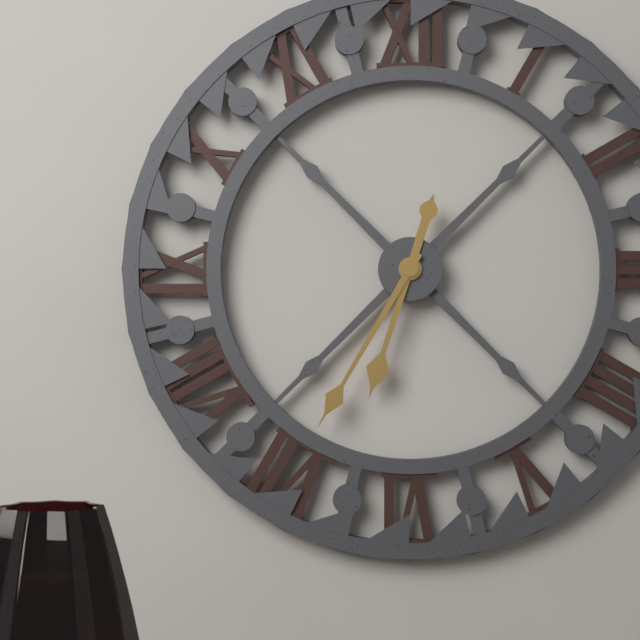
**6:35**
